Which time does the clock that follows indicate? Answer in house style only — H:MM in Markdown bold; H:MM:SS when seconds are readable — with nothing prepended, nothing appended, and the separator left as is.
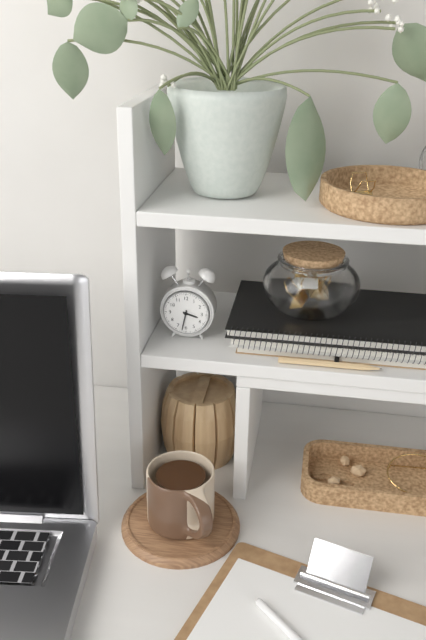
**3:32**
